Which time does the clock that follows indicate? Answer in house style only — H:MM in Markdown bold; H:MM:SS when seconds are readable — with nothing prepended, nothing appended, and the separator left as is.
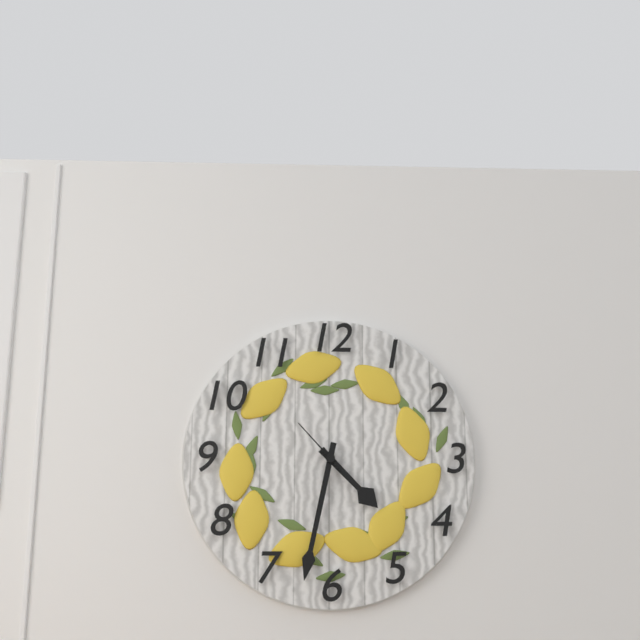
**4:32:53**
